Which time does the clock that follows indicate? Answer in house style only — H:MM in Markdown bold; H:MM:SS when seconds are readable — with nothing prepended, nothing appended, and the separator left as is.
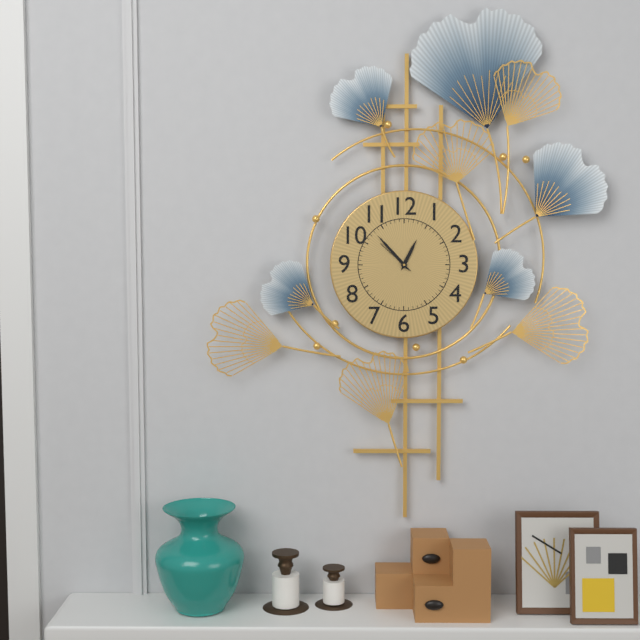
**12:53**
